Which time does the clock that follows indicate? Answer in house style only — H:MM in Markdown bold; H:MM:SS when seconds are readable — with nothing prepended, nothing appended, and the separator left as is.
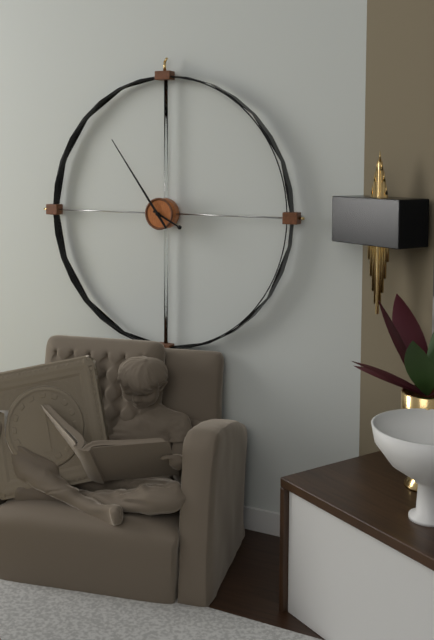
**3:54**
